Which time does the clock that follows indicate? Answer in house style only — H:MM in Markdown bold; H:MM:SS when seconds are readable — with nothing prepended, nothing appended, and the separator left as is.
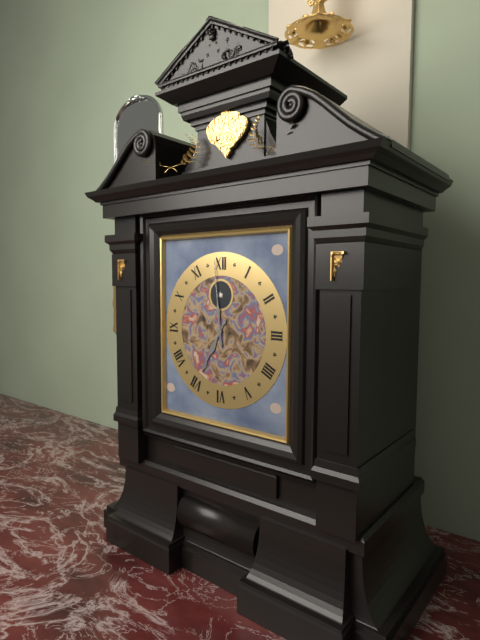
**6:59**
